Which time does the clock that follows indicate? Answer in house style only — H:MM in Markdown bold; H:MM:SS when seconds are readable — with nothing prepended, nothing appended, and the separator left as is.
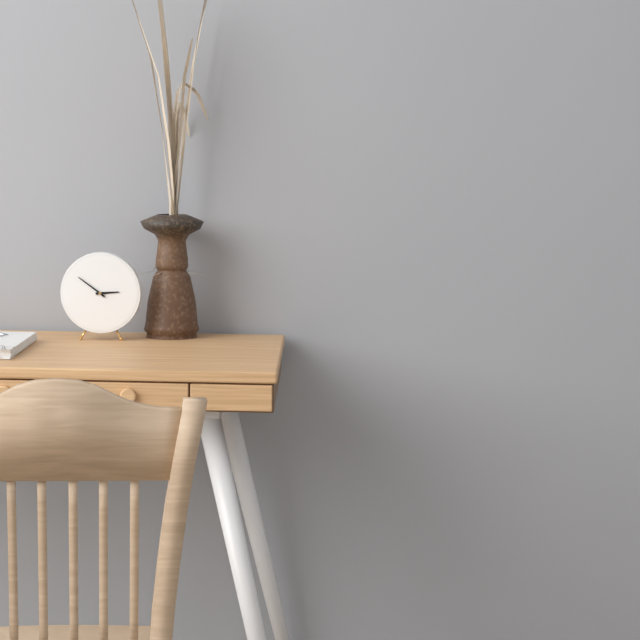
**2:51**
